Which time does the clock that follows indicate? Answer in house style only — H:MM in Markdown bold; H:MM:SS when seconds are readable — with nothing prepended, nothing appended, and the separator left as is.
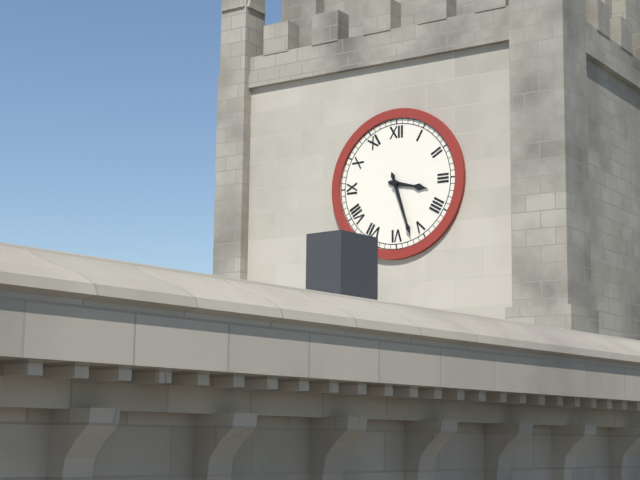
**3:27**
